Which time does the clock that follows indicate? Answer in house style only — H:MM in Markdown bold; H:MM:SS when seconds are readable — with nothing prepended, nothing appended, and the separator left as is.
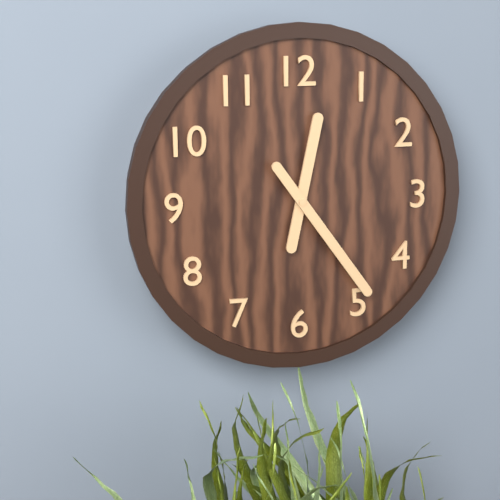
**12:24**
